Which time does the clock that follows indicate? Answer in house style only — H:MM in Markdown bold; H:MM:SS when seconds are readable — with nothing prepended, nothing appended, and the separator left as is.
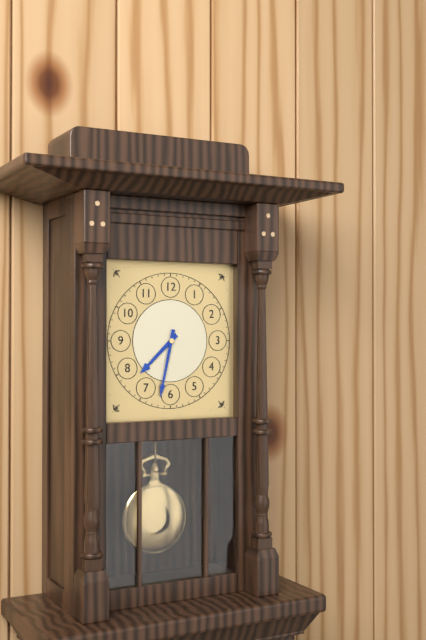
**7:32**
